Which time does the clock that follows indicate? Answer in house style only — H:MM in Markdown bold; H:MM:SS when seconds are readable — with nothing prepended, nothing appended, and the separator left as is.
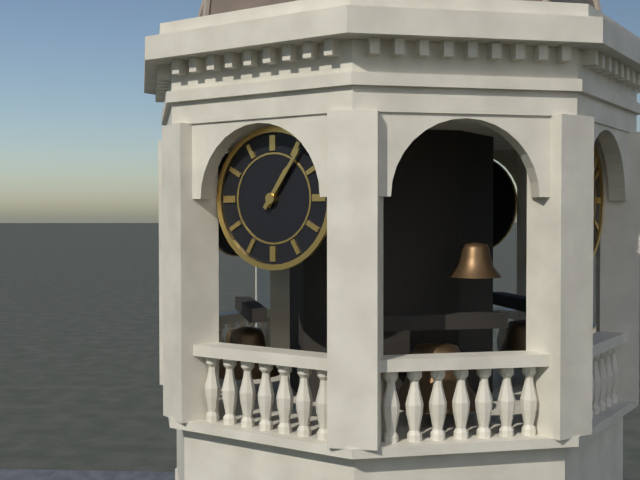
**1:06**
